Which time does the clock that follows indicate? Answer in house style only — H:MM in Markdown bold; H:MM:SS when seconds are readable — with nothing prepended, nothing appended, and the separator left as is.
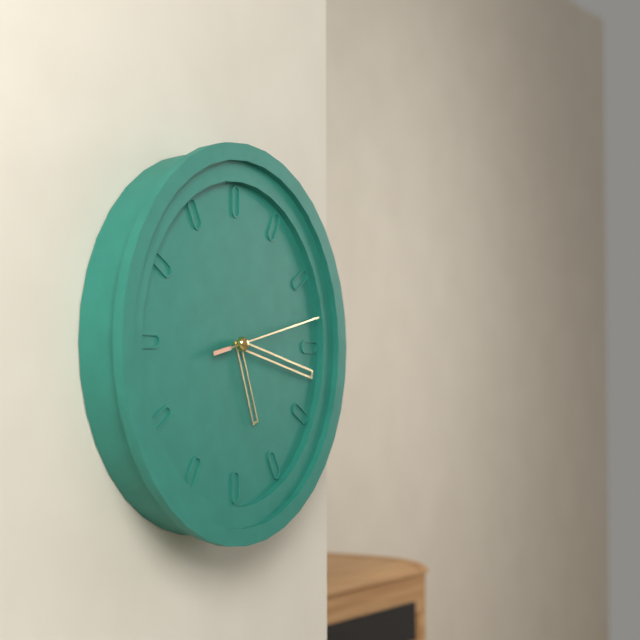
**5:17:13**
